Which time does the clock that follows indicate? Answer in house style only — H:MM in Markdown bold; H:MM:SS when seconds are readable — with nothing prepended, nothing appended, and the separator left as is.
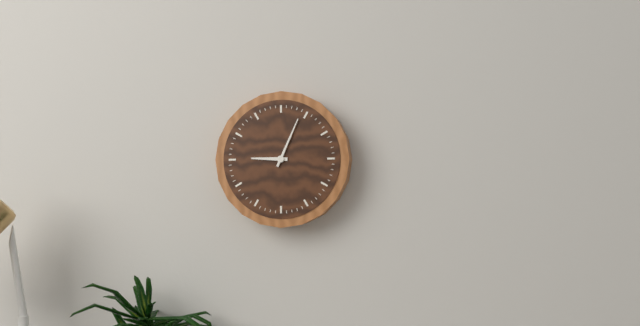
**9:04**
